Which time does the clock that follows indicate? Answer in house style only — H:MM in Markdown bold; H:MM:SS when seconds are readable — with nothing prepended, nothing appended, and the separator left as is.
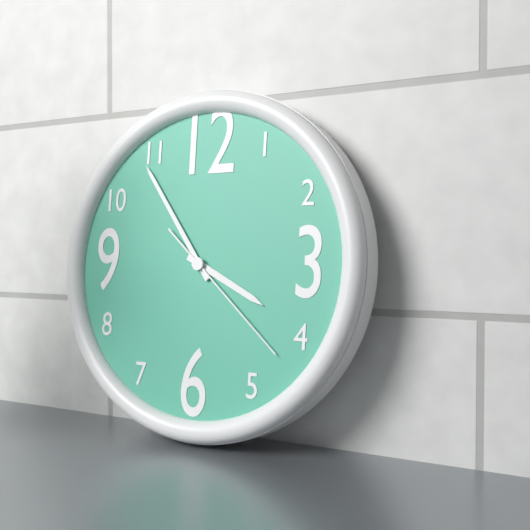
**3:54:22**
